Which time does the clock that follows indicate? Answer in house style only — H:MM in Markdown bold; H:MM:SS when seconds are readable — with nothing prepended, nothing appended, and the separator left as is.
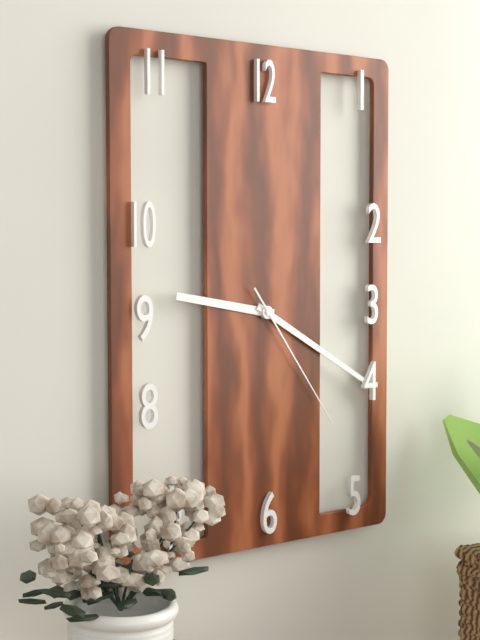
**9:20:24**
